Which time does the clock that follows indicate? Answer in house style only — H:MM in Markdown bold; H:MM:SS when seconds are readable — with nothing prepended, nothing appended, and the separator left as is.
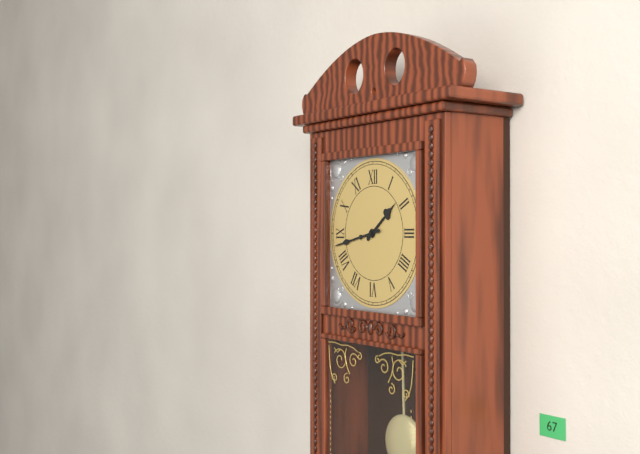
**1:43**
